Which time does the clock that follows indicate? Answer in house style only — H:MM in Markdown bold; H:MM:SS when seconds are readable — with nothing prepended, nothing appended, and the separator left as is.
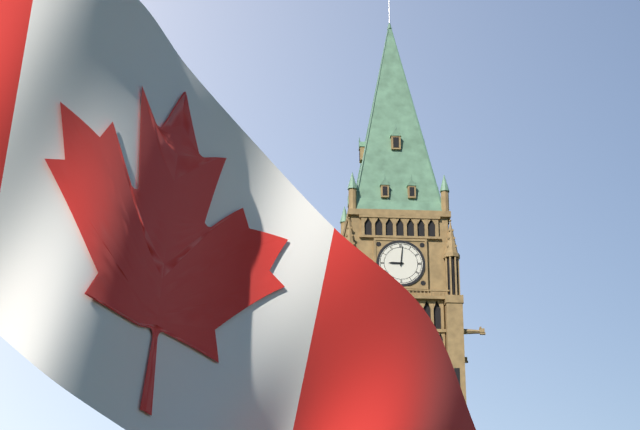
**9:01**
